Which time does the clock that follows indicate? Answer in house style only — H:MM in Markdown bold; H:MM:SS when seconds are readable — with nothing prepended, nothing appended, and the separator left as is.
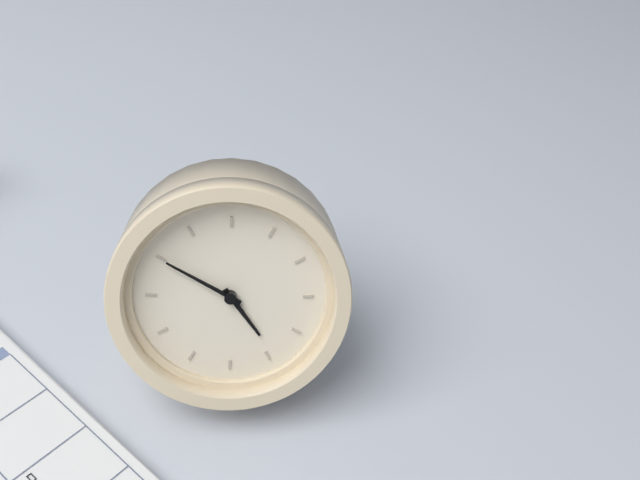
**4:50**
